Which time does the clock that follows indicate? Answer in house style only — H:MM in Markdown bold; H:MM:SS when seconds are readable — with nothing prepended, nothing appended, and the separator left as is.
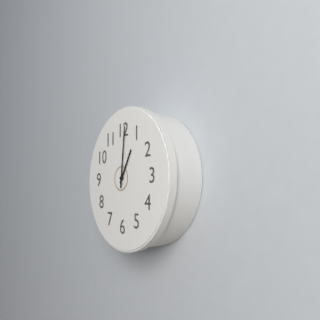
**1:01**
